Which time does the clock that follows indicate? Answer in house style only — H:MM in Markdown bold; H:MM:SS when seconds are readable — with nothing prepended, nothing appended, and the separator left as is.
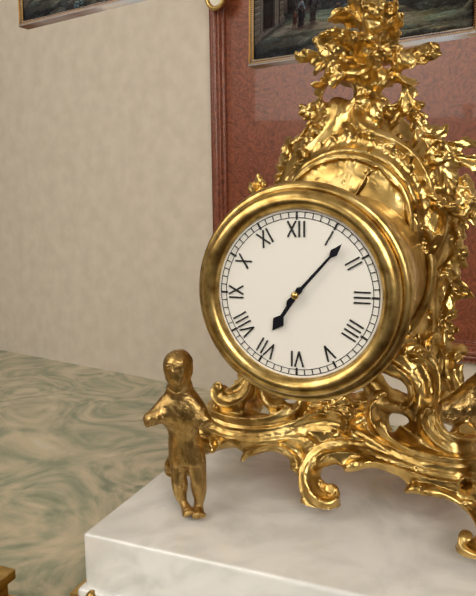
**7:07**
